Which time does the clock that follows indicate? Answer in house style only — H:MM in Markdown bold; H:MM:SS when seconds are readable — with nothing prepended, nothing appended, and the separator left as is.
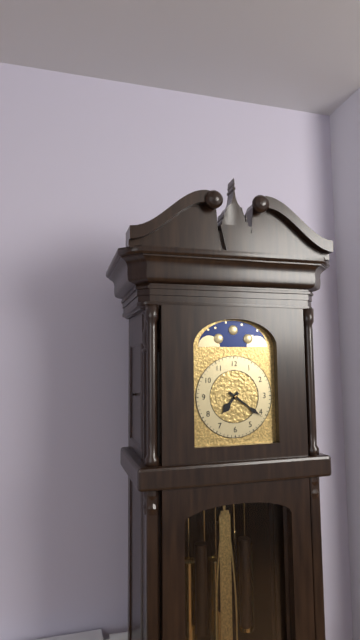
**7:21**
